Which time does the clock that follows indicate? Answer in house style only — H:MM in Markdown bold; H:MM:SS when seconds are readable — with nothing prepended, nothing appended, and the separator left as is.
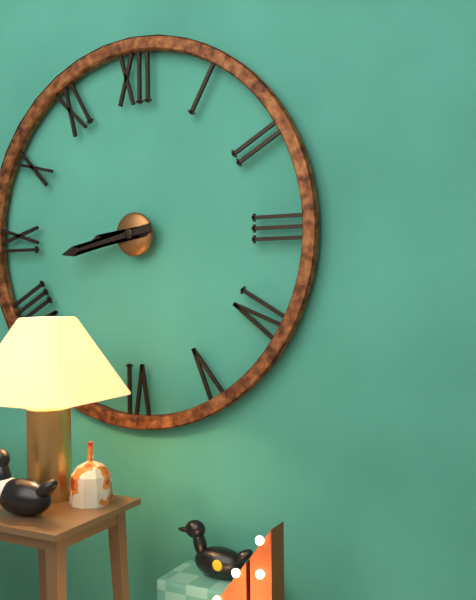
**8:43**
